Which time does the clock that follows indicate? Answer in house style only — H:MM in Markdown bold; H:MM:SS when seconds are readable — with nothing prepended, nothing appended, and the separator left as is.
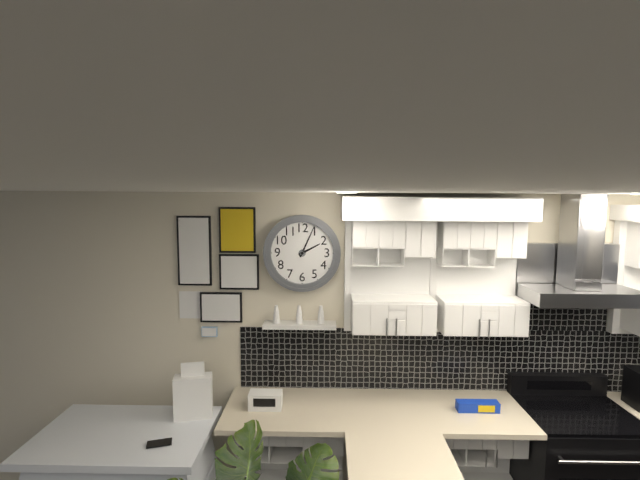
**2:04**
